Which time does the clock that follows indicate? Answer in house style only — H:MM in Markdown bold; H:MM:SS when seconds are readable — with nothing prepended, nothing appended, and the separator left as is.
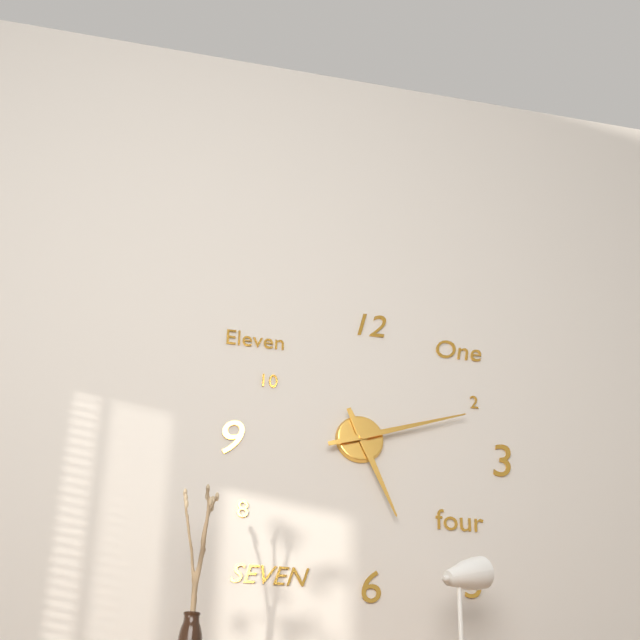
**5:12**
